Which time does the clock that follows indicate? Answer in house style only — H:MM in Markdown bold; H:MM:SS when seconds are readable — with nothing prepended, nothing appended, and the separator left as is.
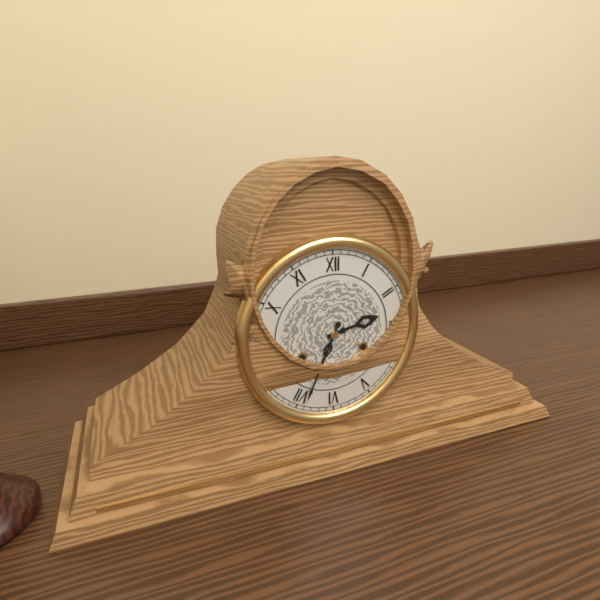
**2:34**
